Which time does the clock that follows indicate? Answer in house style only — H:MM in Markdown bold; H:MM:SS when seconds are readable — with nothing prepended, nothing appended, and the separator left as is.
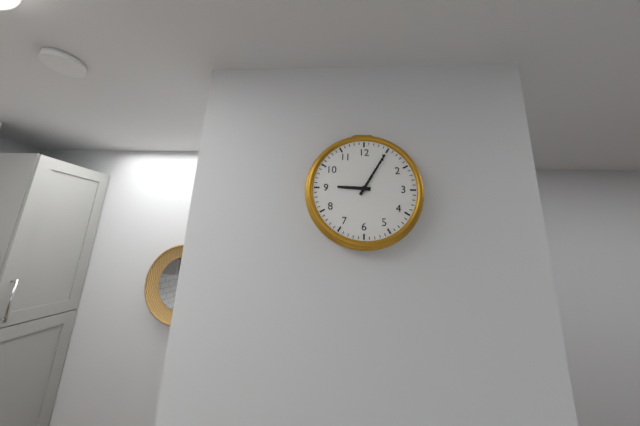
**9:05**
